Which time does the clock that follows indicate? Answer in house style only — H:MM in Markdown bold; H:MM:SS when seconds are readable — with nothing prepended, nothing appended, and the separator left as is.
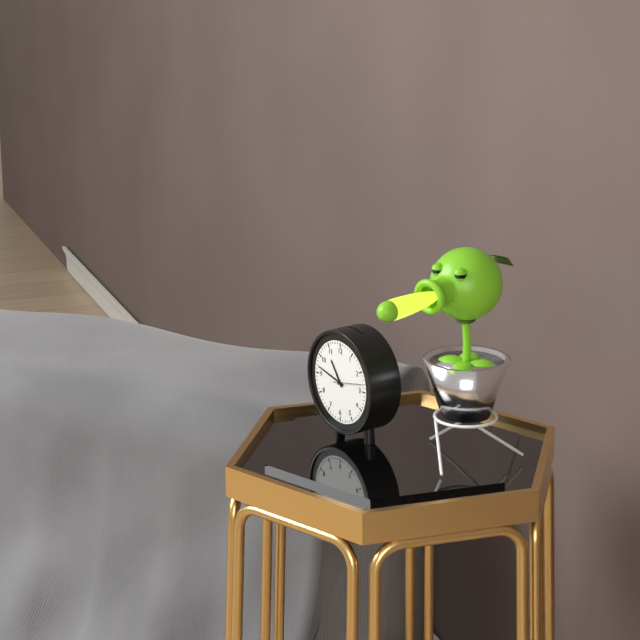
**10:47**
